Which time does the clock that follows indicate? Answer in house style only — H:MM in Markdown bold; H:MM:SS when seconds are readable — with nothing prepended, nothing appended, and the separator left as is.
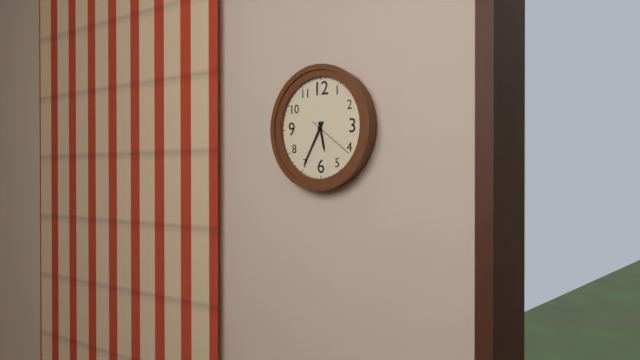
**5:35**
